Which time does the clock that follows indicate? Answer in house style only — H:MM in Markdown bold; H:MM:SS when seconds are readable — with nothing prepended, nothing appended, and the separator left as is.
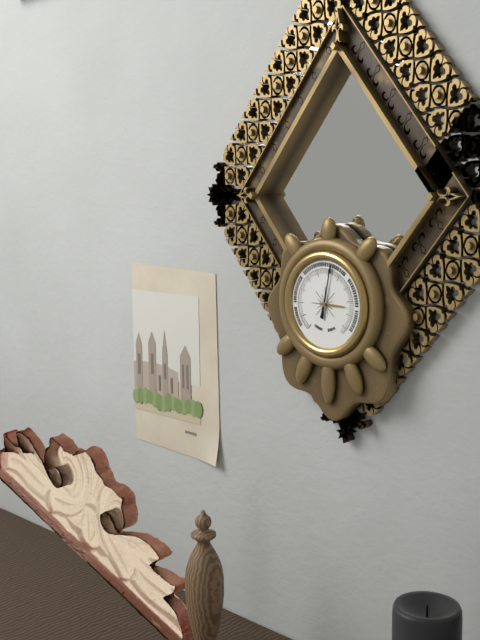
**3:02**
